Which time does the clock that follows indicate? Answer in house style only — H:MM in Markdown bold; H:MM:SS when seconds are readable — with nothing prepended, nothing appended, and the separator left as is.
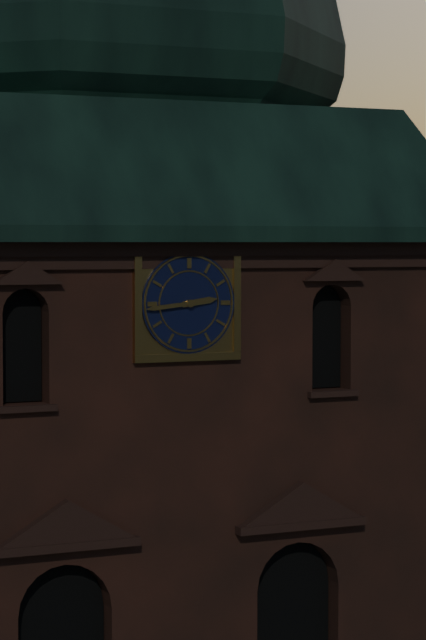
**2:44**
